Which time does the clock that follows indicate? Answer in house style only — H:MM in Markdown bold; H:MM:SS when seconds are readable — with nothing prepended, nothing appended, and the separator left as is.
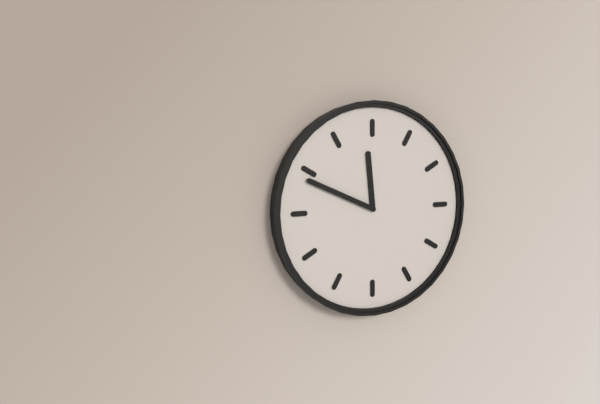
**11:49**
